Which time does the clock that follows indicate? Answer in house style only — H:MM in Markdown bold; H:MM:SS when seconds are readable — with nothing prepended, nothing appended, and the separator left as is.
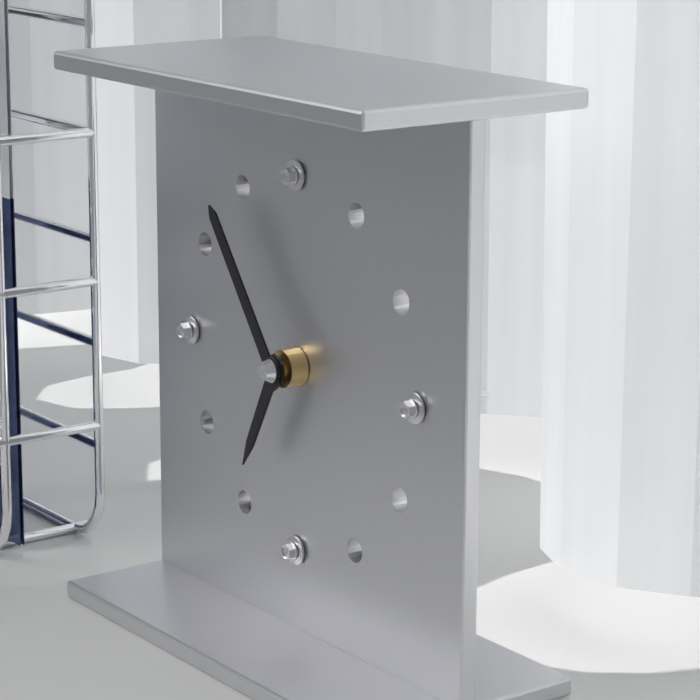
**6:54**
